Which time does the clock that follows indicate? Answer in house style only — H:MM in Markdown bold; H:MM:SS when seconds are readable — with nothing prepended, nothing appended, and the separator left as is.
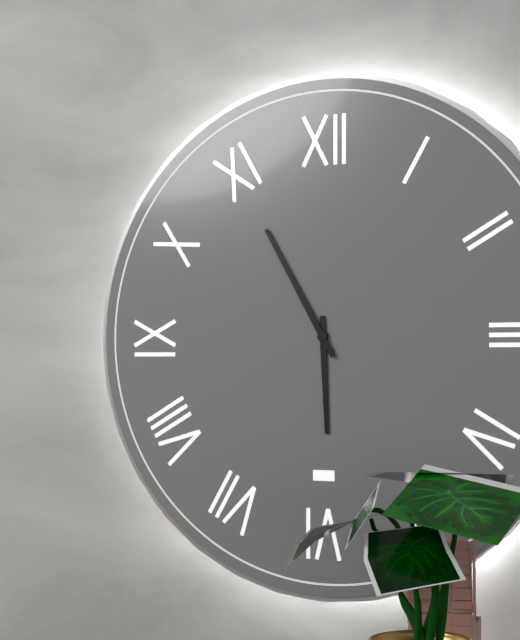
**5:55**
